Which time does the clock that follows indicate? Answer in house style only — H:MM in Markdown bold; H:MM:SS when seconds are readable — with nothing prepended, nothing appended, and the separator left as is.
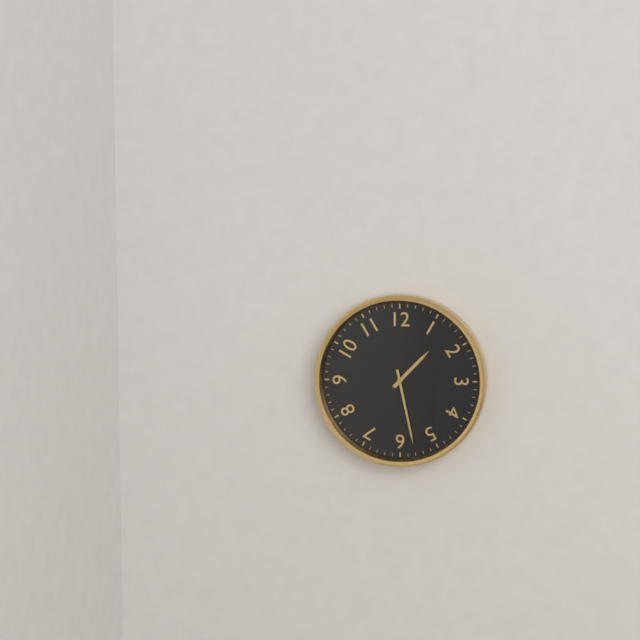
**1:28**
